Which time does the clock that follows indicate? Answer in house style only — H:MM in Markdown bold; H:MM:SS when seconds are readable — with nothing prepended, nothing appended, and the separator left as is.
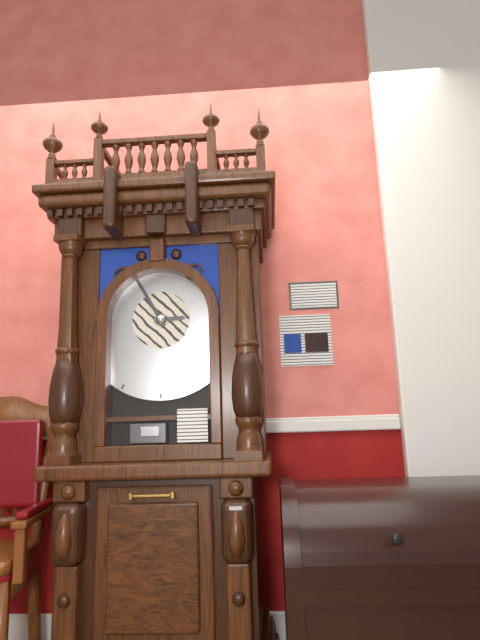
**2:55**
